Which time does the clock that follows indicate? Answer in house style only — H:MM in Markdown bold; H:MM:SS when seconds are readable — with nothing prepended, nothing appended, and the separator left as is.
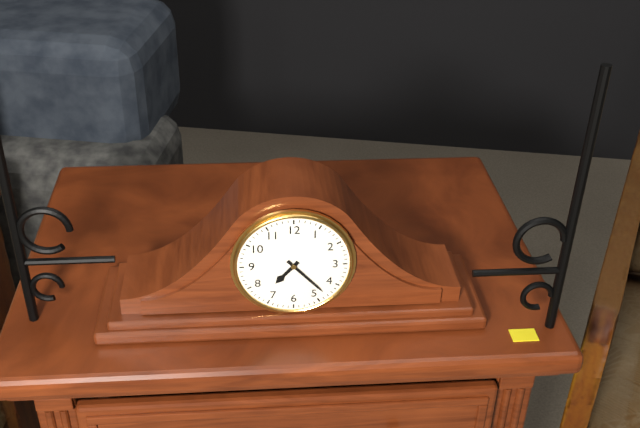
**7:23**
